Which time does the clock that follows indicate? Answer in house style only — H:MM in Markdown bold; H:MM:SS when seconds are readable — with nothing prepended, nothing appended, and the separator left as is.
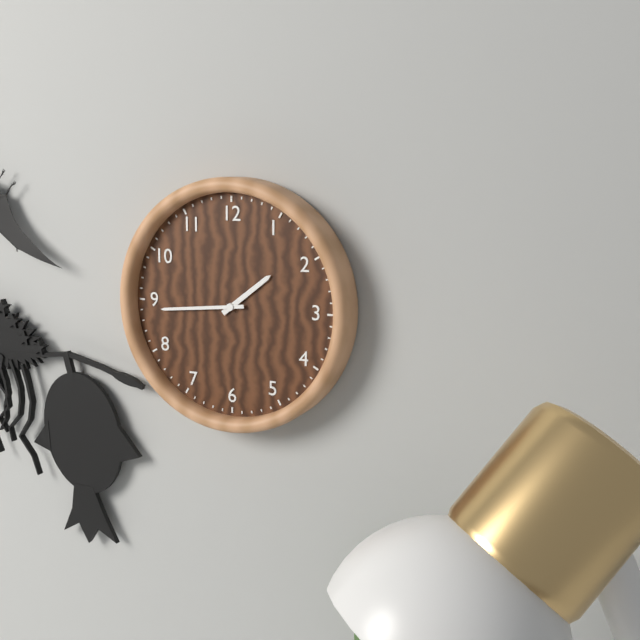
**1:44**
